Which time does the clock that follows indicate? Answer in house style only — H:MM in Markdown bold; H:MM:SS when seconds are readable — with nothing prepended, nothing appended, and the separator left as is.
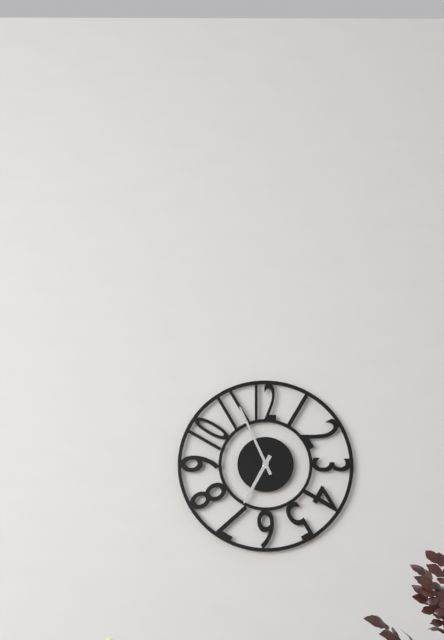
**6:56**
